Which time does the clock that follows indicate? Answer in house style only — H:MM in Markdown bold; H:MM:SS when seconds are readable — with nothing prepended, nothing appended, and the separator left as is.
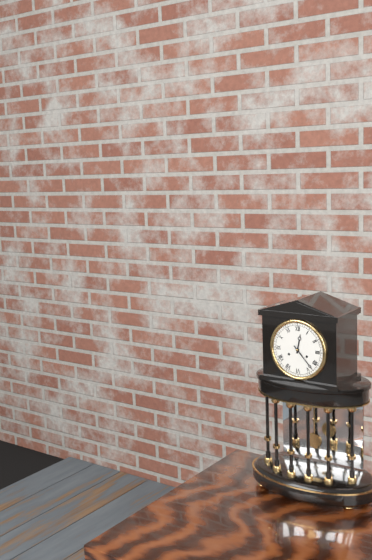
**12:23**
